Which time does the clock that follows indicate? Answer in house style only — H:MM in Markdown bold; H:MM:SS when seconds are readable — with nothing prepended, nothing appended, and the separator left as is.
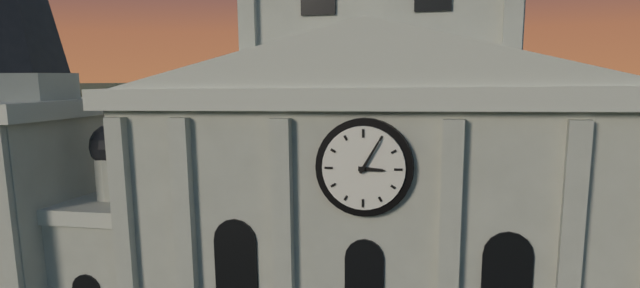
**3:05**
